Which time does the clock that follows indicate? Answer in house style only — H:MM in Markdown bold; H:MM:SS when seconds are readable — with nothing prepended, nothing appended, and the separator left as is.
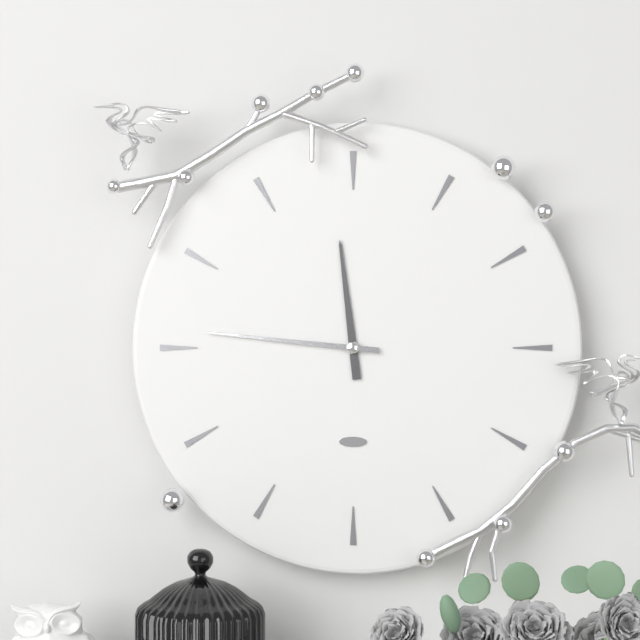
**11:46**
